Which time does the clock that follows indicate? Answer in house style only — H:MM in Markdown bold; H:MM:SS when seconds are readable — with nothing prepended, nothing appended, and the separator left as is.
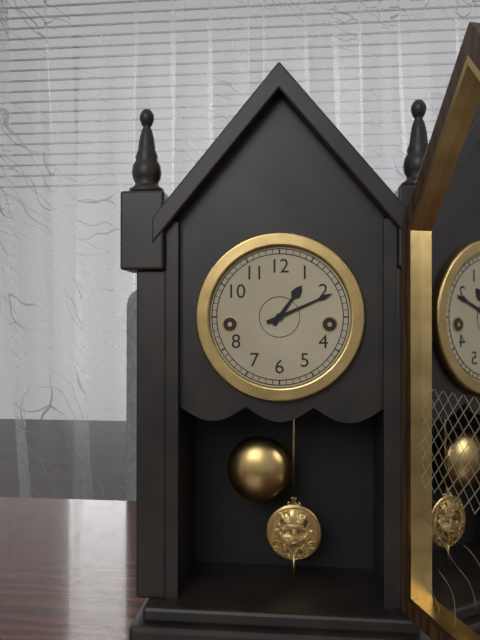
**1:11**
